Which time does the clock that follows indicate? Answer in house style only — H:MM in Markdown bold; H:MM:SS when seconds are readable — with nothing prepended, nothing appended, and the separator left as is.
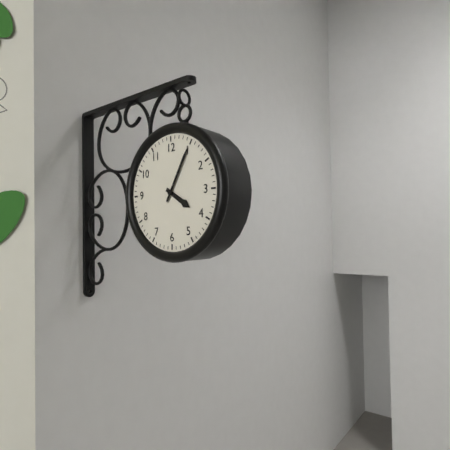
**4:05**
